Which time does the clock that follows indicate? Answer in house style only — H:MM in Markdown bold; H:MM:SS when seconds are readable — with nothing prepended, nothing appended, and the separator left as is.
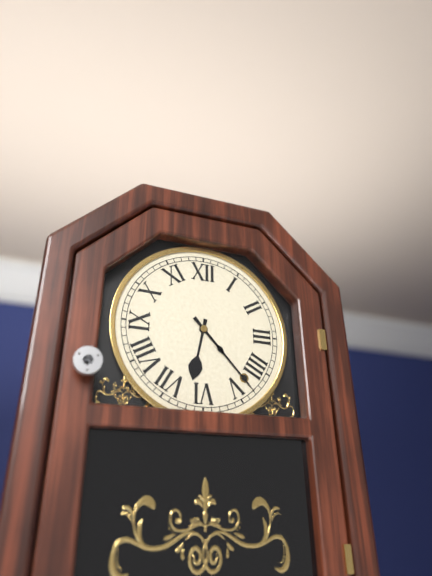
**6:23**
